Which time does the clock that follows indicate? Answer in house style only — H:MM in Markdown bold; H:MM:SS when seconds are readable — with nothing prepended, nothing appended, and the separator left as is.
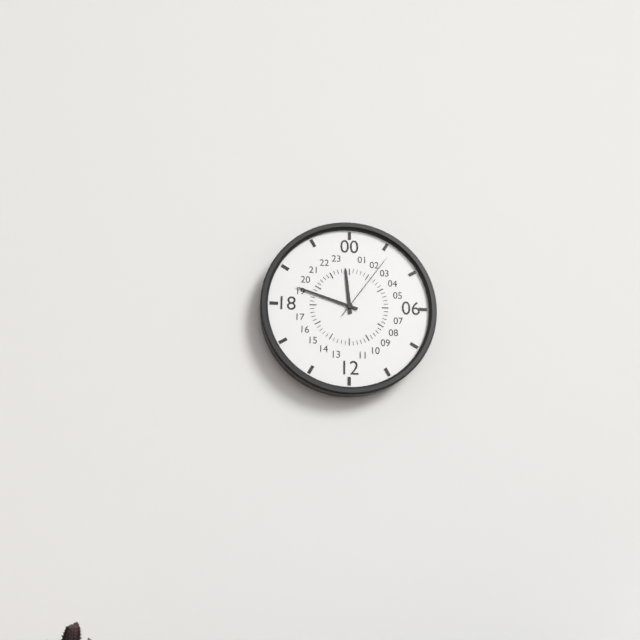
**11:48:06**
